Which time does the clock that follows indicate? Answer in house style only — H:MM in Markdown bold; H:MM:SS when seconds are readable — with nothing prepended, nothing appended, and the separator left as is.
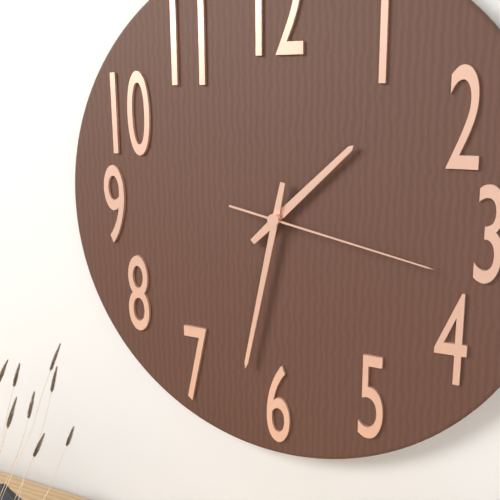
**1:32:17**
